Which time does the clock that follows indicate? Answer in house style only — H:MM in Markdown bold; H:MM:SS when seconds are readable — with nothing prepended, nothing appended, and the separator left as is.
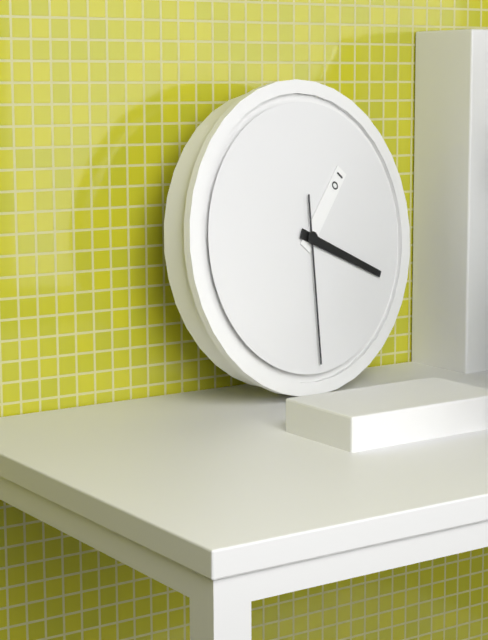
**1:19:30**
